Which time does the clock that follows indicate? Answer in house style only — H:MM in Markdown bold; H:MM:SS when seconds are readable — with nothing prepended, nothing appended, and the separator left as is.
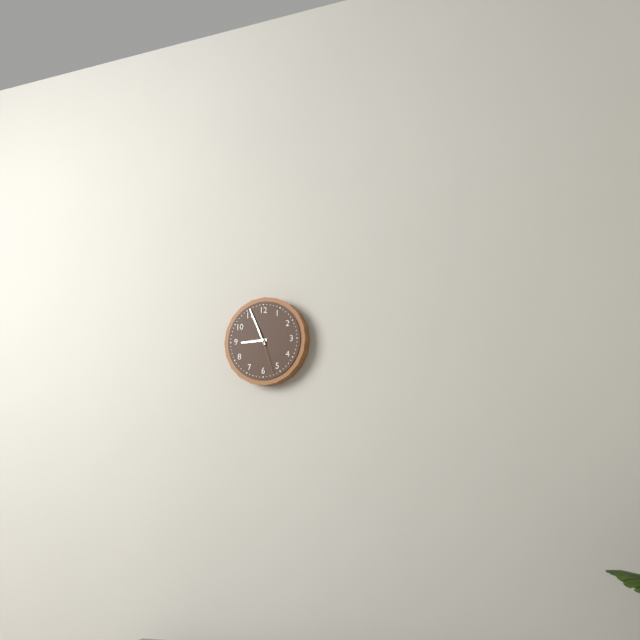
**8:56**
